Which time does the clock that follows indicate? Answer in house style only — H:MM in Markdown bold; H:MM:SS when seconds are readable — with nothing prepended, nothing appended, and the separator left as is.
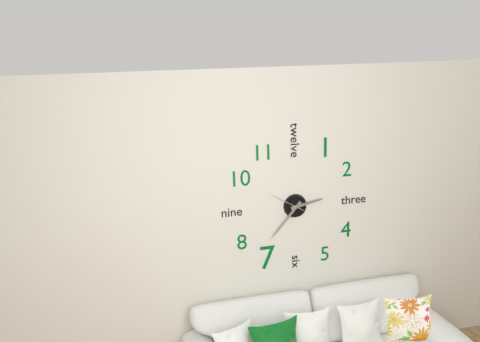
**2:37**
